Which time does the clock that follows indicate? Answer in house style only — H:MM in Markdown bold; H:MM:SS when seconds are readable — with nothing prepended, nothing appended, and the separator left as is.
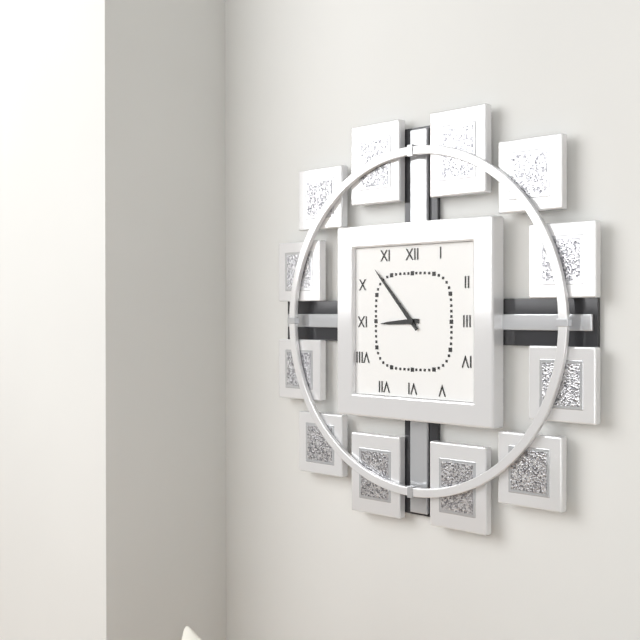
**8:53**
